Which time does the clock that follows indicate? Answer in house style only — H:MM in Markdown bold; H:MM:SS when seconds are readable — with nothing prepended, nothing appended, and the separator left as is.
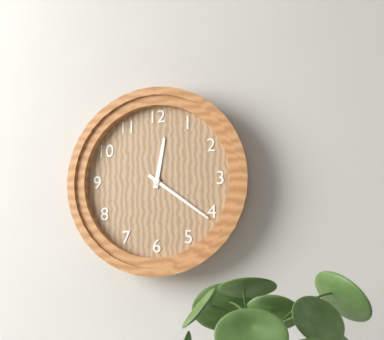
**12:21**
